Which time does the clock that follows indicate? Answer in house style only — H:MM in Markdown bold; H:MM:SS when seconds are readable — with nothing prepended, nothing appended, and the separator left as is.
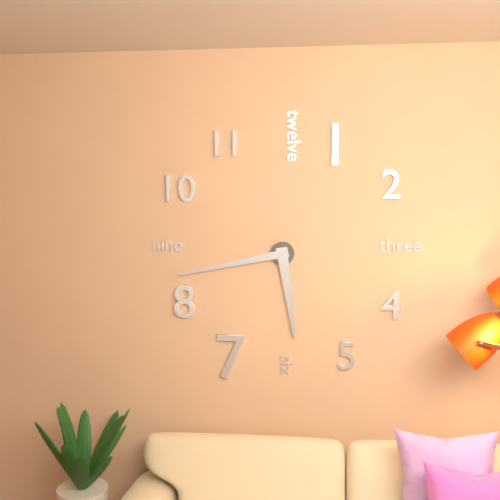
**5:43**
